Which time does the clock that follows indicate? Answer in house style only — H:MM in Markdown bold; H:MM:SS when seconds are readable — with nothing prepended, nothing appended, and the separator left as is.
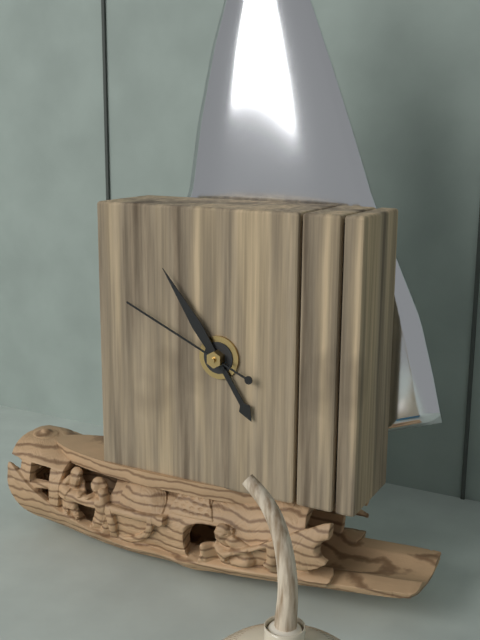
**4:54:49**
